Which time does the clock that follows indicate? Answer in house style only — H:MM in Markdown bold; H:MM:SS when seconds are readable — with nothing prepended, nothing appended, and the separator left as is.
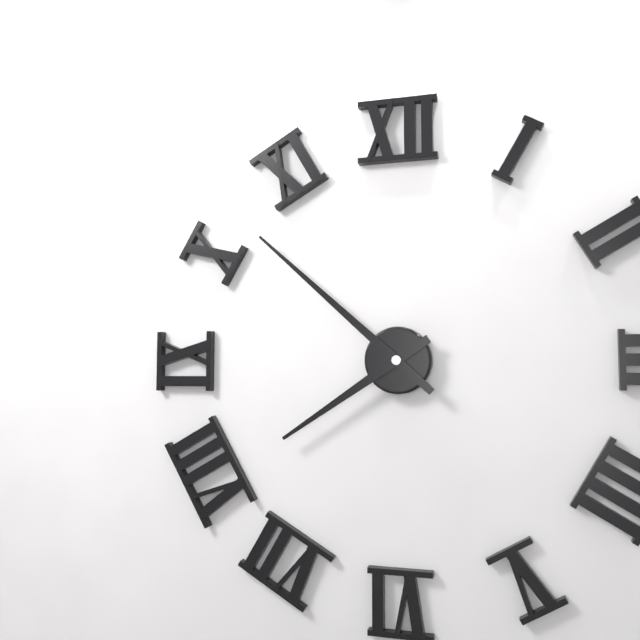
**7:52**
